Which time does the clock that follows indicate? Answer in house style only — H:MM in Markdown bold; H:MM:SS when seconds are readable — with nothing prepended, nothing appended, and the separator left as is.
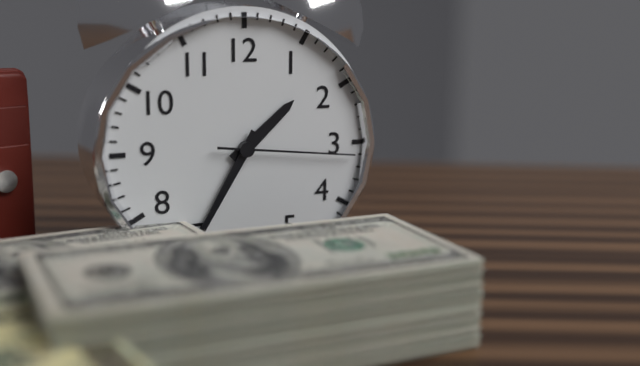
**1:35:16**
